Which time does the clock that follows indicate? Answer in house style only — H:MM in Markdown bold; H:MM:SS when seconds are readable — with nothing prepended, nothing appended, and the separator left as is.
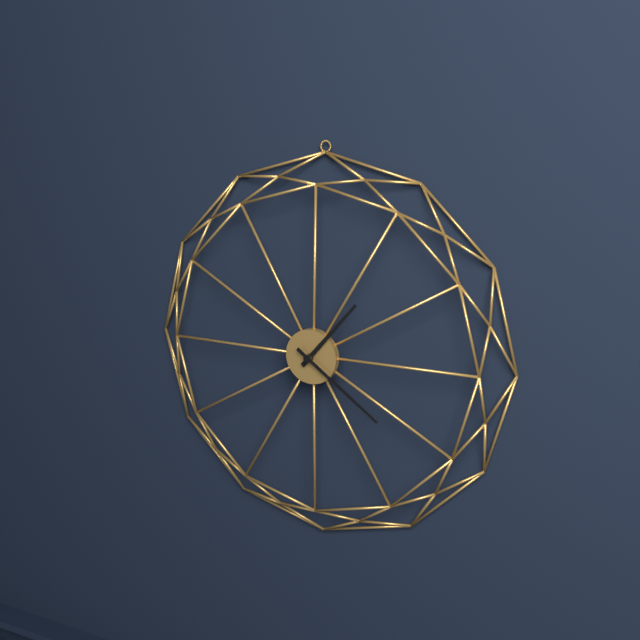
**1:21**
